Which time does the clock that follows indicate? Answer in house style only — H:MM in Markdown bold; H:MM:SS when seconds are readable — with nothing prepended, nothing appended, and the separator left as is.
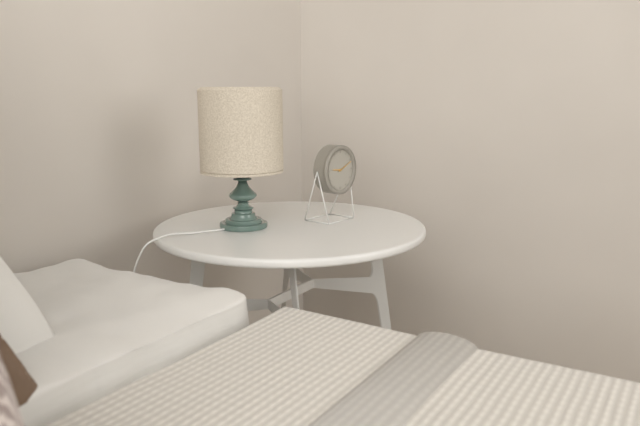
**9:11**
